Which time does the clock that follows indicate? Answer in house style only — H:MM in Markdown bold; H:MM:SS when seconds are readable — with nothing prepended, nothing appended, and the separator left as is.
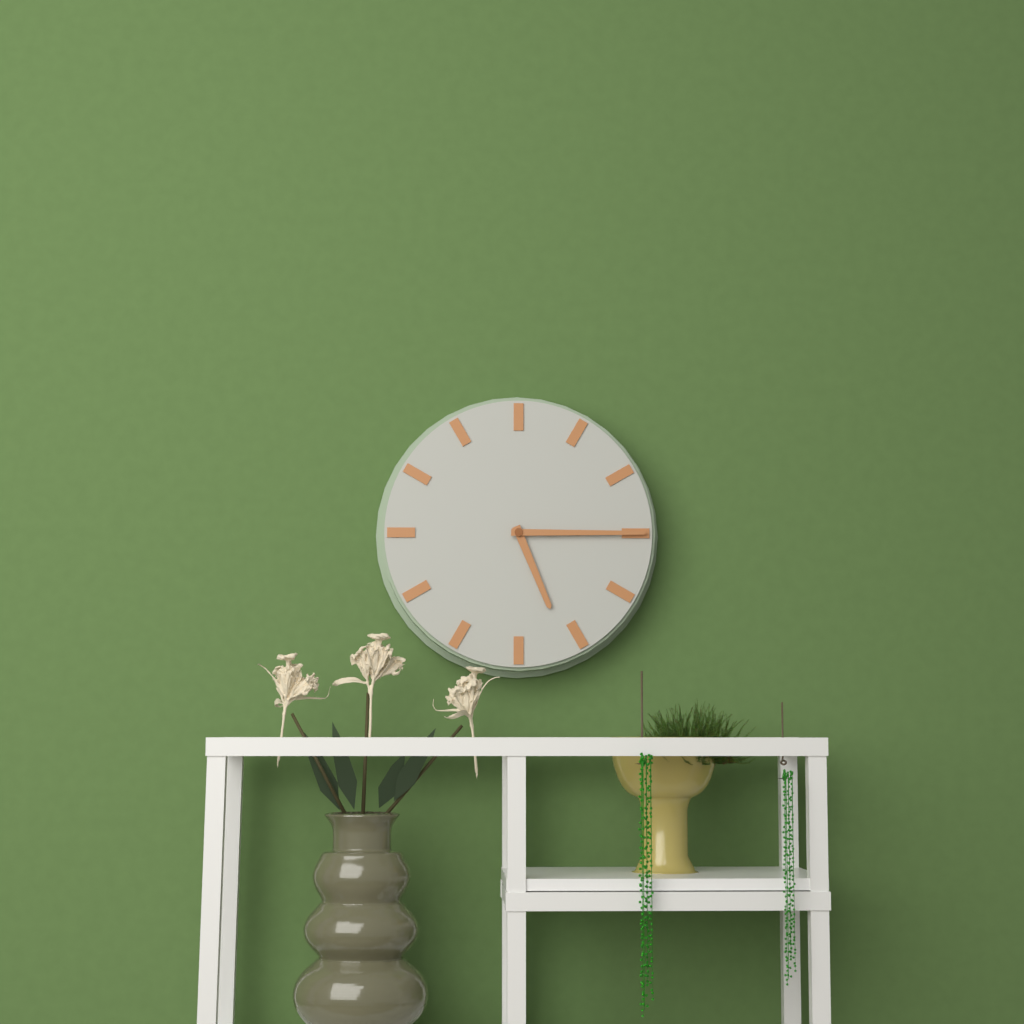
**5:15**
